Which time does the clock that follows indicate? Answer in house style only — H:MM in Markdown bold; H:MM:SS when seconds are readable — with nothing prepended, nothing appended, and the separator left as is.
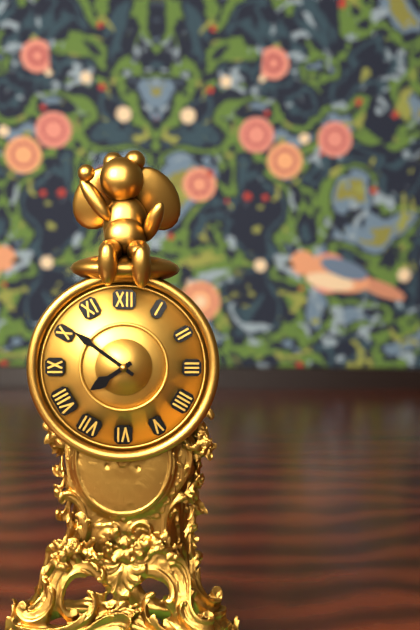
**7:51**
